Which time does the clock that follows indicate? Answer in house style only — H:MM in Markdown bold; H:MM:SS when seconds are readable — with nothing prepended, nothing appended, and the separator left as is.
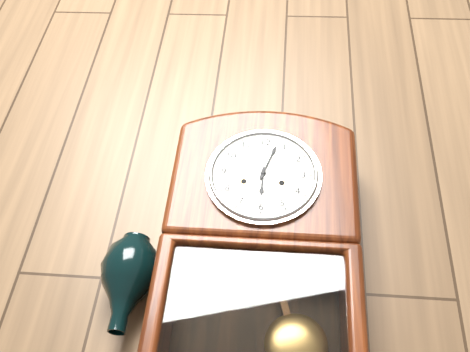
**6:03**
